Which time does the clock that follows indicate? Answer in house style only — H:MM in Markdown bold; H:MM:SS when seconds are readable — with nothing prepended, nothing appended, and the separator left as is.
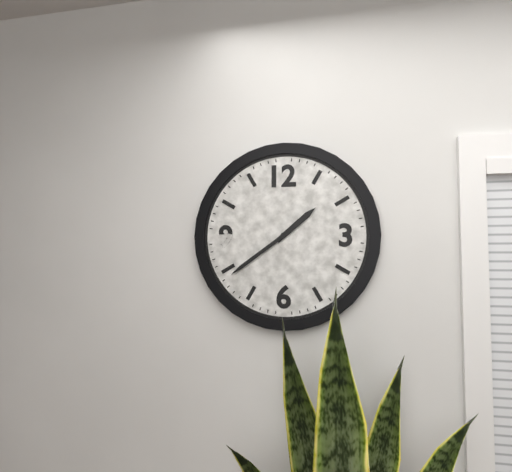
**1:39**
